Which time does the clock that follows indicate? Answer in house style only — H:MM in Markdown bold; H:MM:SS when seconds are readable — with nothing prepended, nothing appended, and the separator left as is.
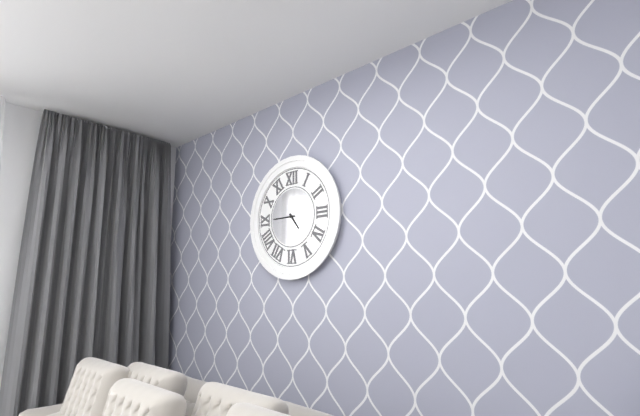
**4:45**
